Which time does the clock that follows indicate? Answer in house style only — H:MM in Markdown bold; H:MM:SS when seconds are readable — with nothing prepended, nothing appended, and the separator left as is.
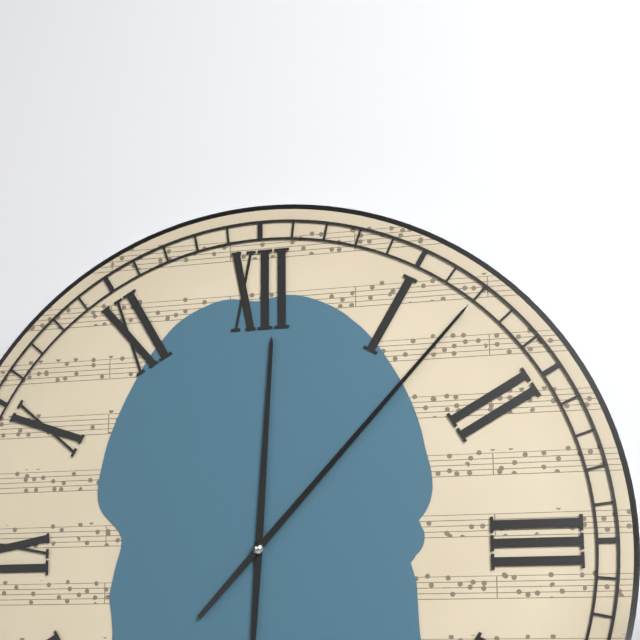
**12:07**
